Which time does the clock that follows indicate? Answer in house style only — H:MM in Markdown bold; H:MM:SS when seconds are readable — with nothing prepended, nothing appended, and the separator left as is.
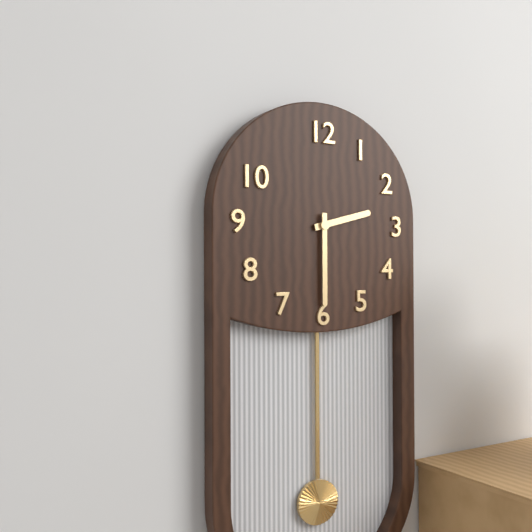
**2:30**
